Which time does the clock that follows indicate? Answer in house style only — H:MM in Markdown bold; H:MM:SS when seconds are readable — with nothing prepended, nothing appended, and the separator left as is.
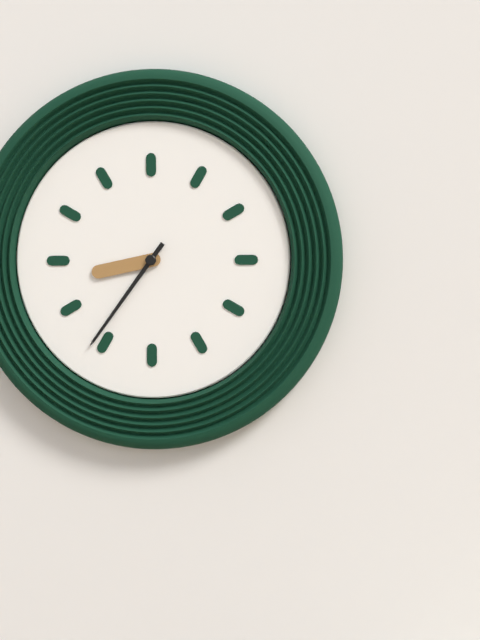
**8:36**
